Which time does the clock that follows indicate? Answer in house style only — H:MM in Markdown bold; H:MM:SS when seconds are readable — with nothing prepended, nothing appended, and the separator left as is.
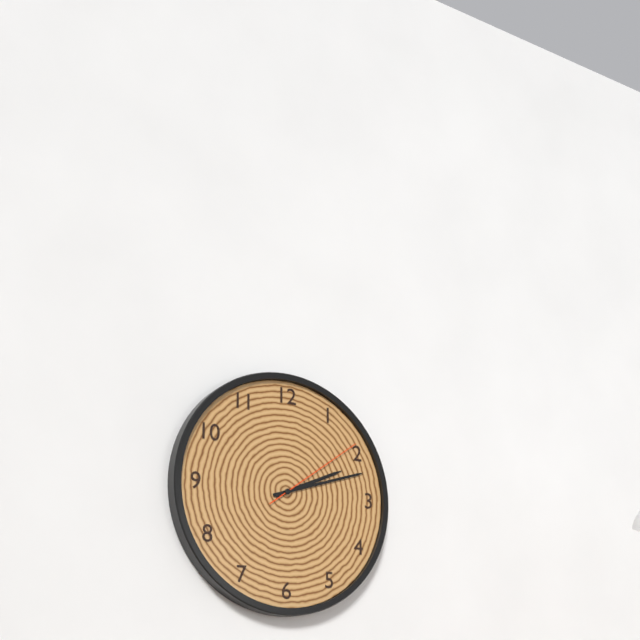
**2:12:09**
